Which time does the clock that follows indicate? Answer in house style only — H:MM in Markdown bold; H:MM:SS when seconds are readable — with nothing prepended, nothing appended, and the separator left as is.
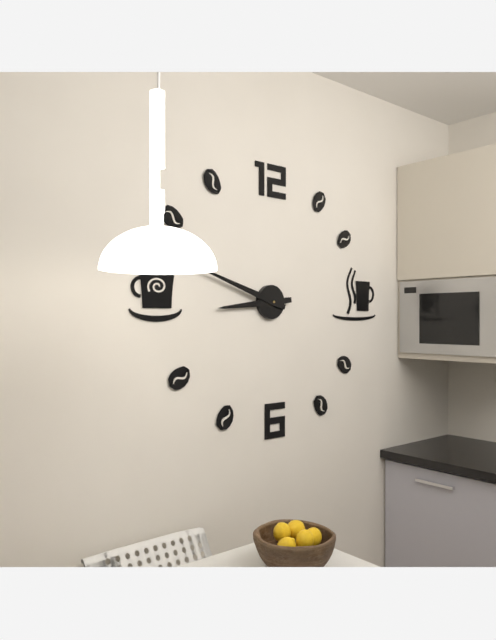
**8:48**
